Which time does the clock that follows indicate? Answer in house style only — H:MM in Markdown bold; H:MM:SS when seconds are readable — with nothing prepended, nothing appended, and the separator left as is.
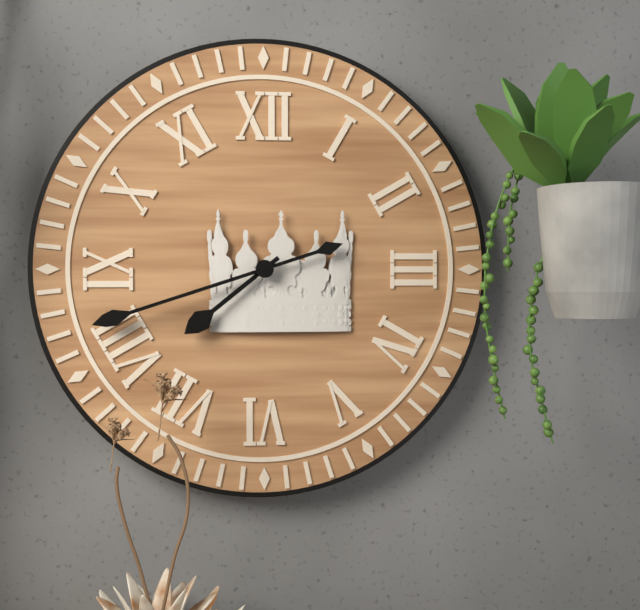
**7:42**
